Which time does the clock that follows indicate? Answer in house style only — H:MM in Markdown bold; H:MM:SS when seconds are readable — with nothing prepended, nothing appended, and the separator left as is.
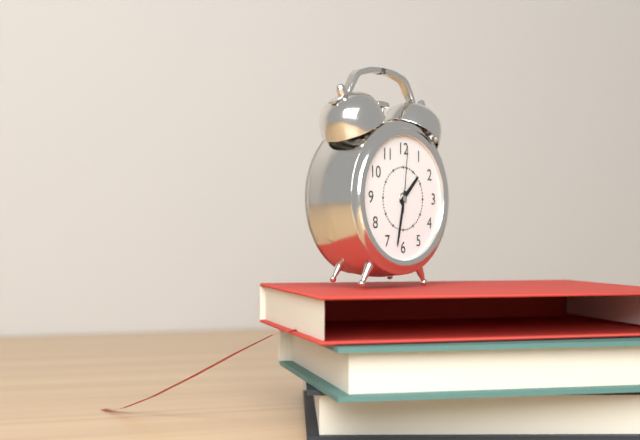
**1:32:01**
